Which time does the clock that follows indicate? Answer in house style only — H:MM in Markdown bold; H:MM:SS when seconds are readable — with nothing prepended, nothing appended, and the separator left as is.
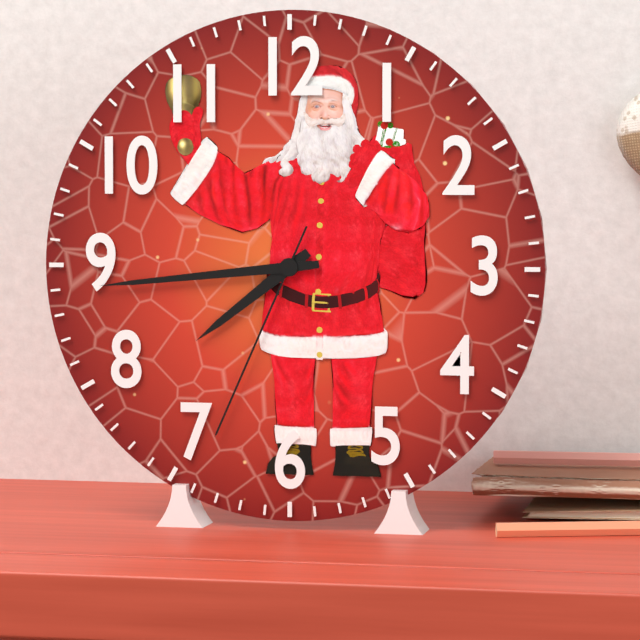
**7:44:34**
